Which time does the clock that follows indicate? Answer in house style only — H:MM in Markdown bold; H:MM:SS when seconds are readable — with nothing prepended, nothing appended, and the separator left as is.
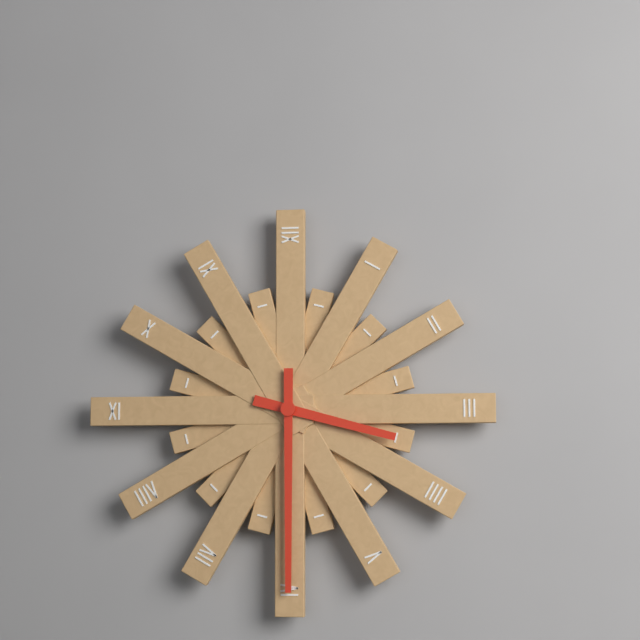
**3:30**
